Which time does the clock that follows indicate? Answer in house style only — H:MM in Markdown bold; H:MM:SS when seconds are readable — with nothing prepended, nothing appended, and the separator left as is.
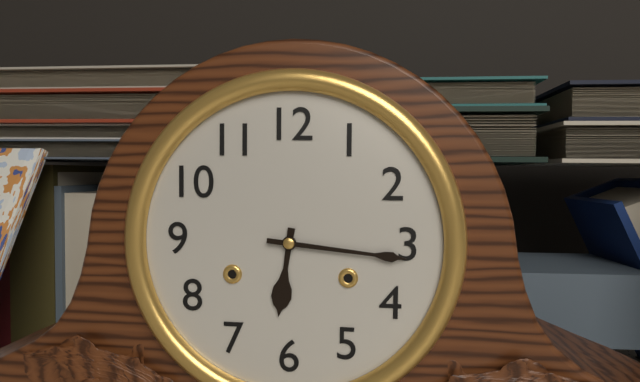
**6:16**
